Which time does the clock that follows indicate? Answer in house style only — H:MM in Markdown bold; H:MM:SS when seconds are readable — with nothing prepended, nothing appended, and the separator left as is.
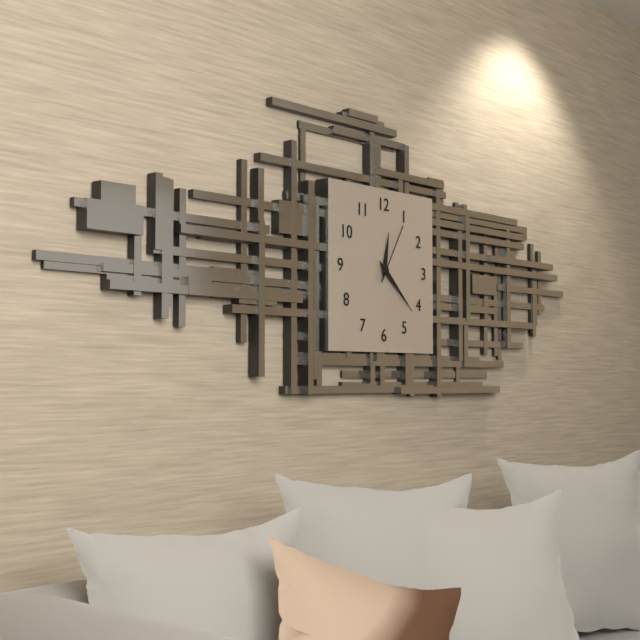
**12:22:05**
